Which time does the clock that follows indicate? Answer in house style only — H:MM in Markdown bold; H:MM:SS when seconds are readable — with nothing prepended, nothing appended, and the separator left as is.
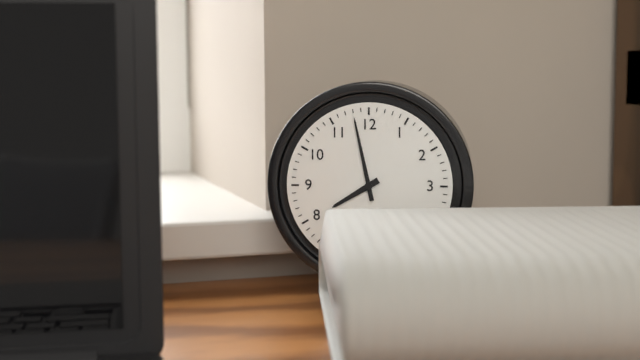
**7:58**
